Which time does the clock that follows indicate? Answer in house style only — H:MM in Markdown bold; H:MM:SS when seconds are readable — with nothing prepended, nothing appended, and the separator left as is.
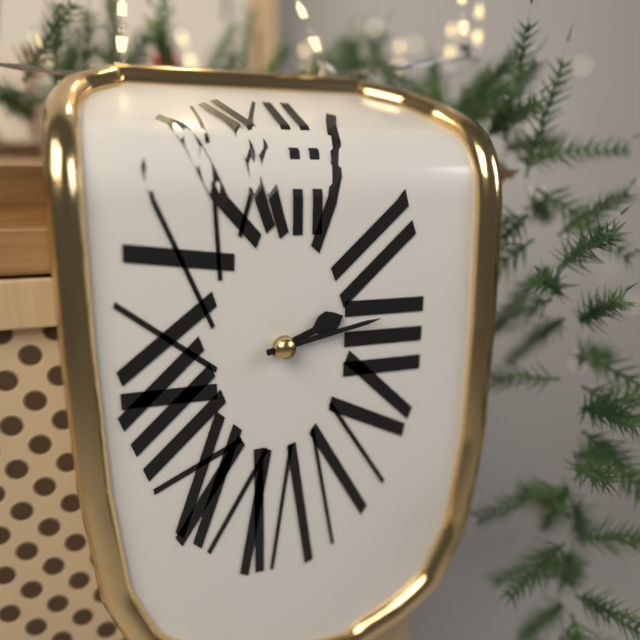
**2:13**
